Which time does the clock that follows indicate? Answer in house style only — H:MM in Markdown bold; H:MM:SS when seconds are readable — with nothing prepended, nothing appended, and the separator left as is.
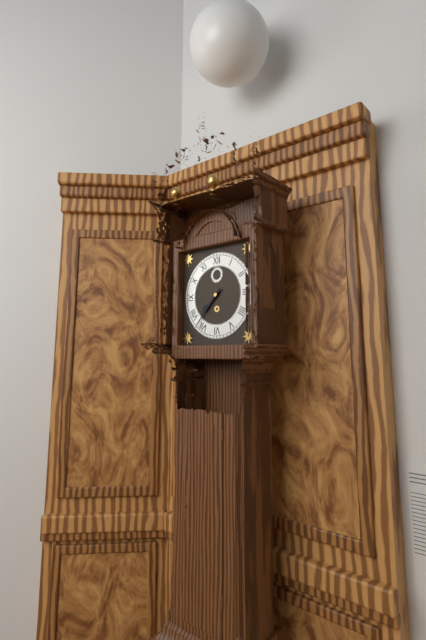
**7:37**
